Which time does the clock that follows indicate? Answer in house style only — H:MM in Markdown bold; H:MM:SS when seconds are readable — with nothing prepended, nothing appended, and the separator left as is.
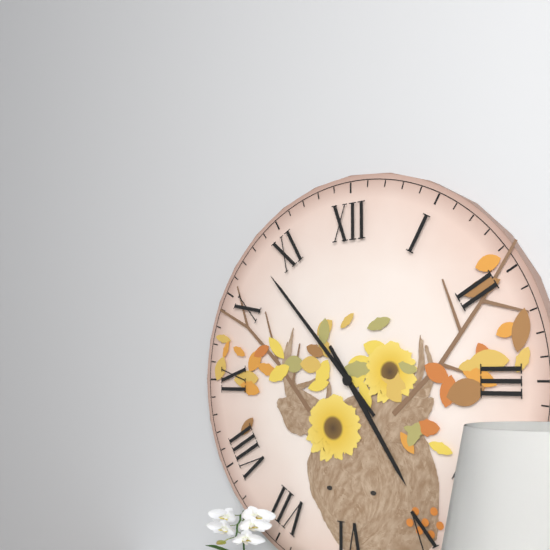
**4:53**
